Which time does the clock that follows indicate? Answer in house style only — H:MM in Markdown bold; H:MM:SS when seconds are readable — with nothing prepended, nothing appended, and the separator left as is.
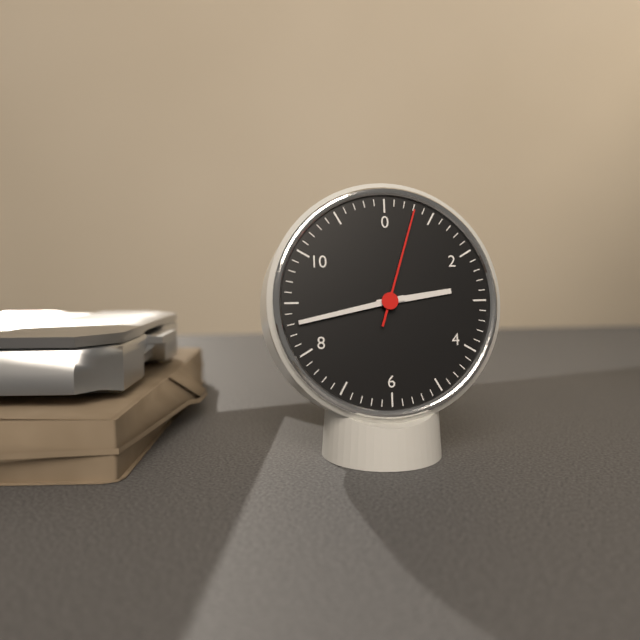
**2:43:03**
